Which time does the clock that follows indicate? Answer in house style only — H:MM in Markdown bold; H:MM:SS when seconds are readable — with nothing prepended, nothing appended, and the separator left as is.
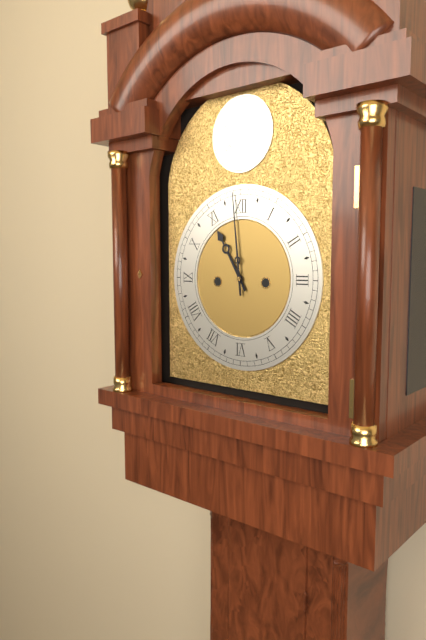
**10:59**
